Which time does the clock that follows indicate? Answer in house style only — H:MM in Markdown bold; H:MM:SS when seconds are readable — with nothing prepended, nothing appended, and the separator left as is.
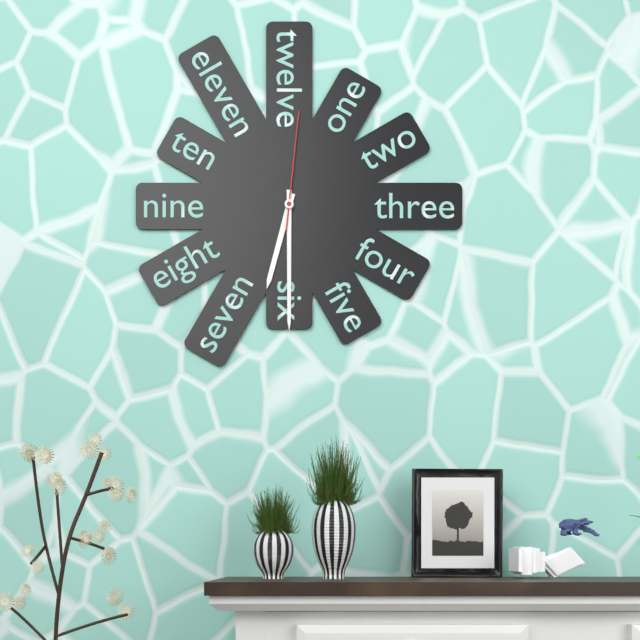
**6:30:01**
